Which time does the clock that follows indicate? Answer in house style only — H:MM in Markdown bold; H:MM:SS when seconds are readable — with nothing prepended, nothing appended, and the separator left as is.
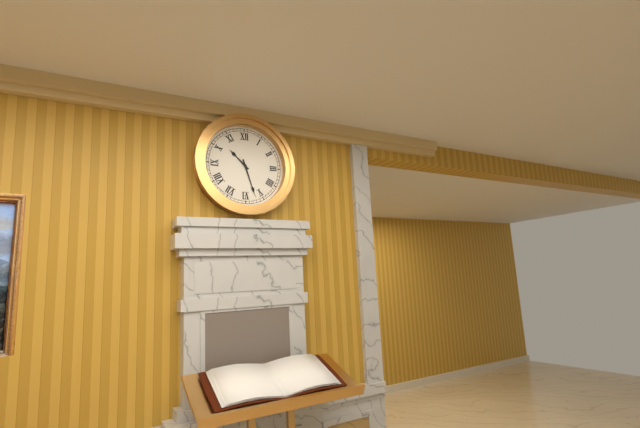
**10:27**
